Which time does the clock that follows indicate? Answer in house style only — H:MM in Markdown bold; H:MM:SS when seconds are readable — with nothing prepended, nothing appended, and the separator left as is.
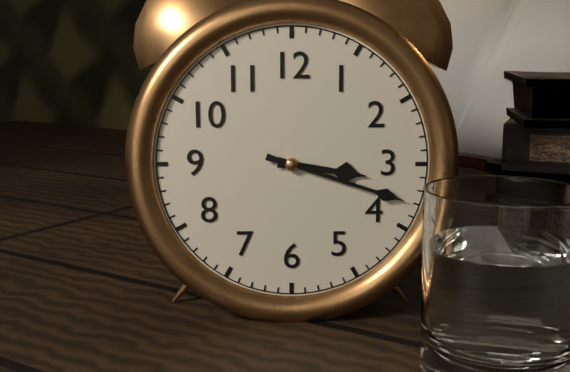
**3:18**
